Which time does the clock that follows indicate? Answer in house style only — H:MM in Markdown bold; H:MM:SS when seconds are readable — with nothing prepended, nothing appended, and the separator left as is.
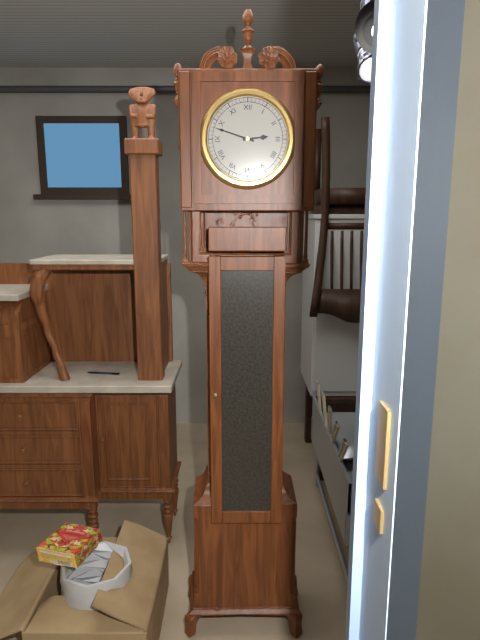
**2:48**
